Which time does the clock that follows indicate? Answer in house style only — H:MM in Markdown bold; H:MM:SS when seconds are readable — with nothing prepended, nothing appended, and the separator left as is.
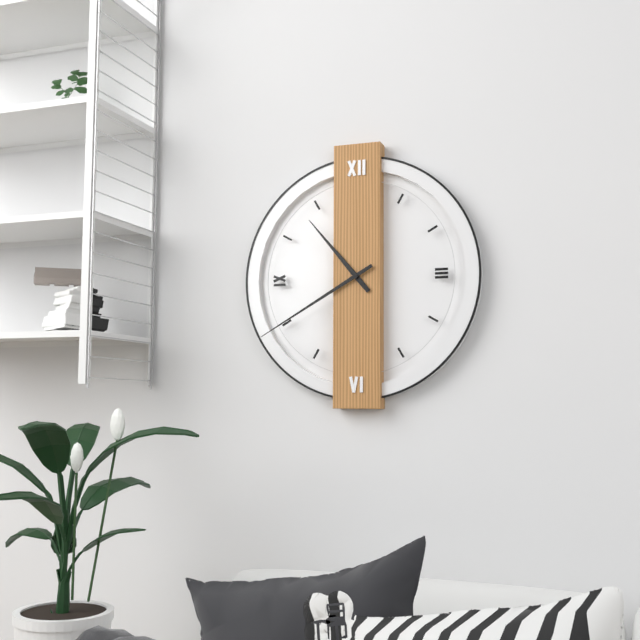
**10:40**
